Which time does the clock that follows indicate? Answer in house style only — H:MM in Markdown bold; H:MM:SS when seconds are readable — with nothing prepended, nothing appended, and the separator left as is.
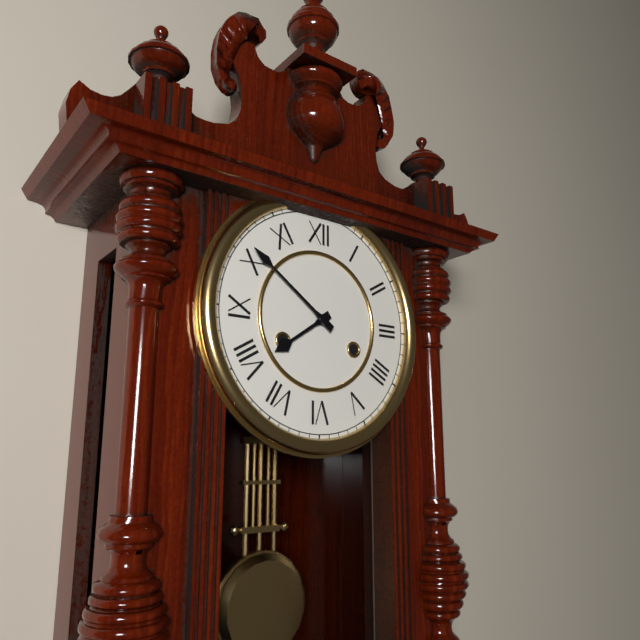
**7:51**
